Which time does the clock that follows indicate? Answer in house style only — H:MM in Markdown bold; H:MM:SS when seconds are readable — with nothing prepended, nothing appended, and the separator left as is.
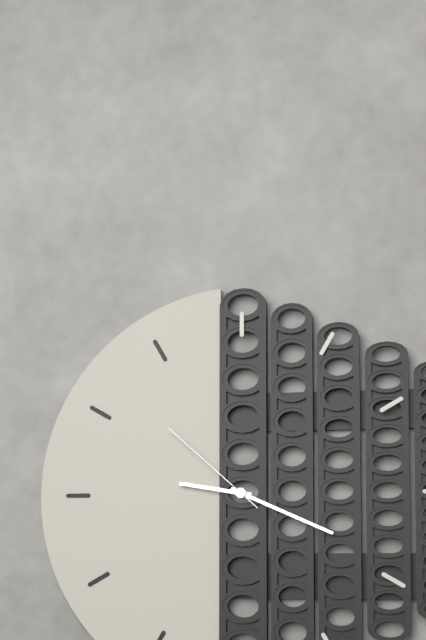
**9:19:52**
